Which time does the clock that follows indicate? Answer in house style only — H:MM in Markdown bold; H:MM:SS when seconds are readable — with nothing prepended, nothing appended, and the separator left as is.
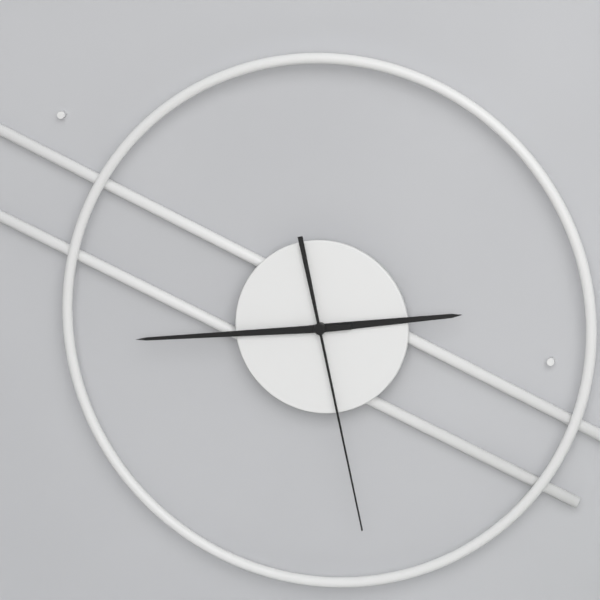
**2:44:28**
